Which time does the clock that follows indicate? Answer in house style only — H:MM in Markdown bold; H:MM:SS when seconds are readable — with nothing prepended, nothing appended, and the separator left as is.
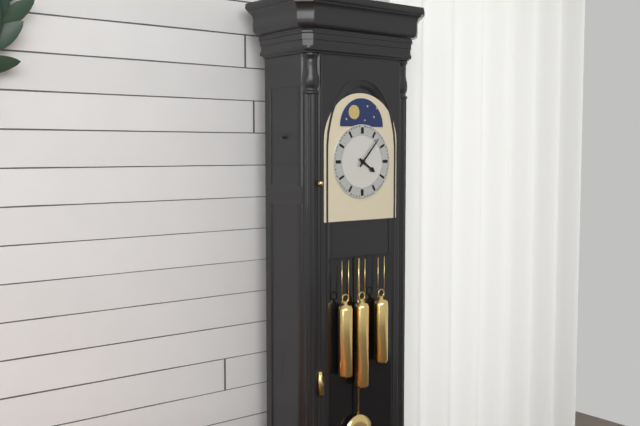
**4:07**
